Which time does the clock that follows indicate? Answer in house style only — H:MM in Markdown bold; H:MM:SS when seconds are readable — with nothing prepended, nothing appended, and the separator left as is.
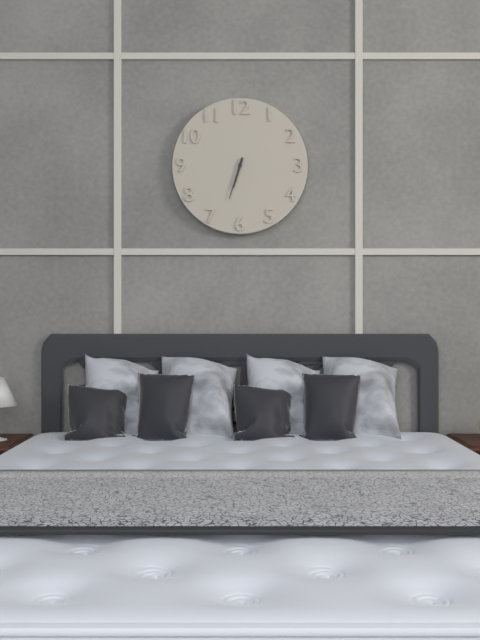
**6:33**
